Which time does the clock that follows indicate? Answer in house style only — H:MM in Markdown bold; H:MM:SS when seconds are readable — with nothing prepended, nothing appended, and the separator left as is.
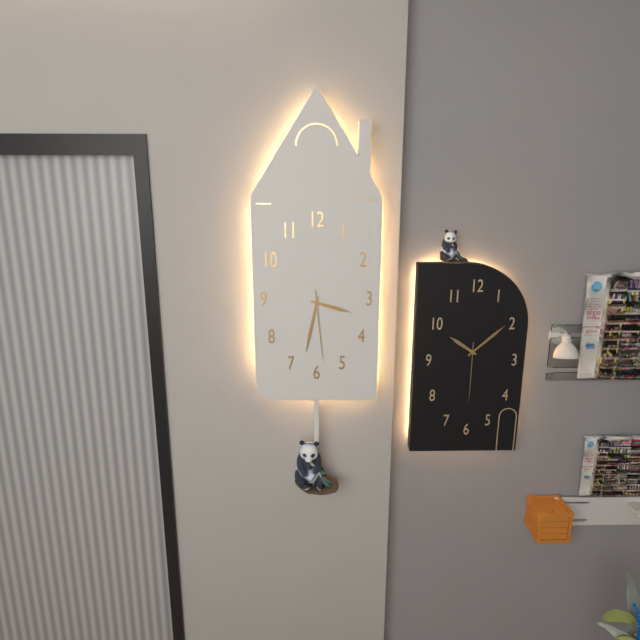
**3:32:29**
